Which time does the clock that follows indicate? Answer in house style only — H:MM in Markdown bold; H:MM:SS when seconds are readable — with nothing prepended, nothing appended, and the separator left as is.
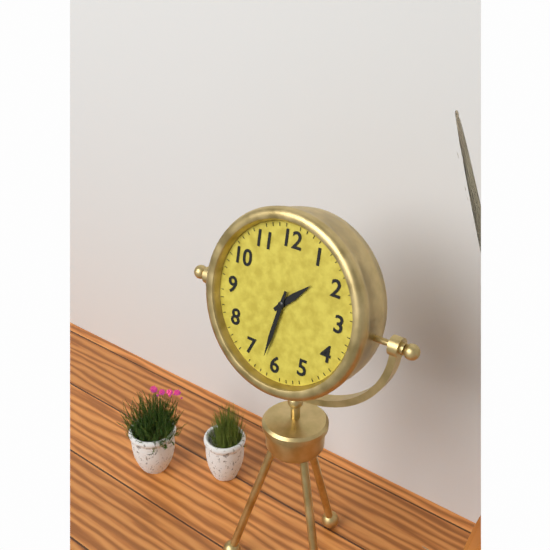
**1:32**
